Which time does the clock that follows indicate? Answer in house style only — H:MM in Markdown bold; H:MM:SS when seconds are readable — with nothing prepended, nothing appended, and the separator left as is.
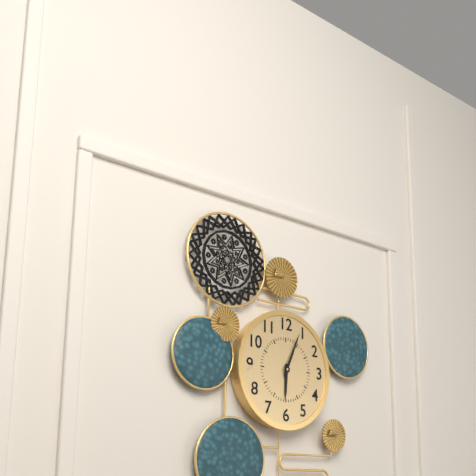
**6:04**
